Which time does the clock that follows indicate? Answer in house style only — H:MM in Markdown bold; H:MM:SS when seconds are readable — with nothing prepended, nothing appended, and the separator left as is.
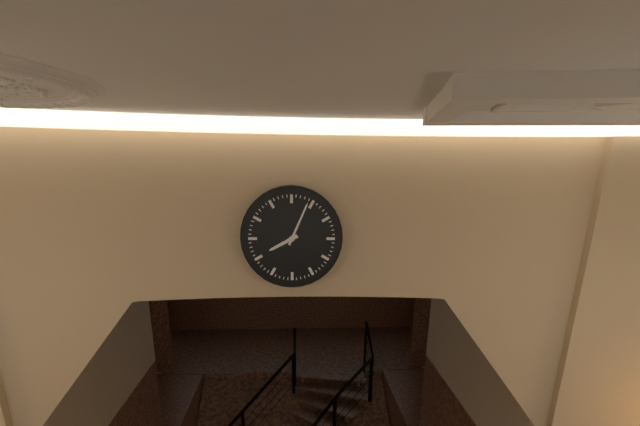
**8:04**
